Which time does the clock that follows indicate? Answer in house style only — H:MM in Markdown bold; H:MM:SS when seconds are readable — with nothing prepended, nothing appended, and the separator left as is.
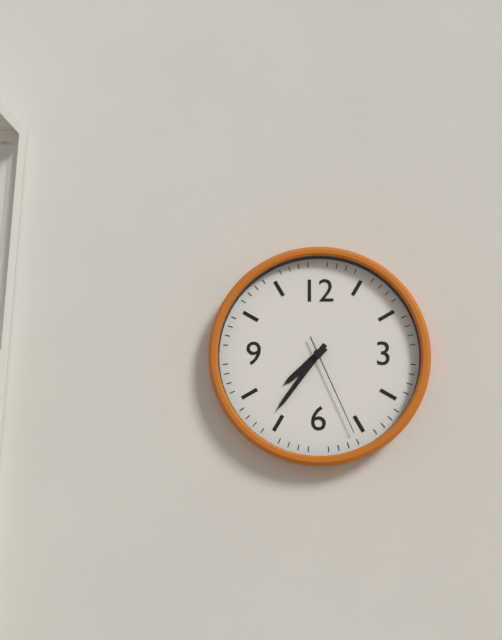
**7:36:26**
